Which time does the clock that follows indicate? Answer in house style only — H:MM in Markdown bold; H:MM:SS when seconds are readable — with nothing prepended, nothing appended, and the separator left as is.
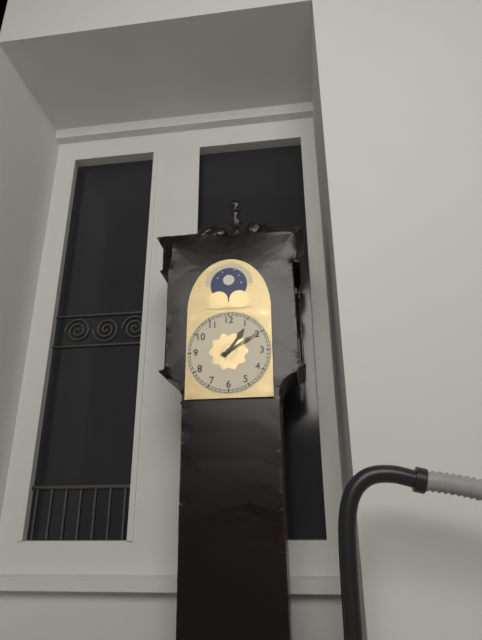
**1:10**
